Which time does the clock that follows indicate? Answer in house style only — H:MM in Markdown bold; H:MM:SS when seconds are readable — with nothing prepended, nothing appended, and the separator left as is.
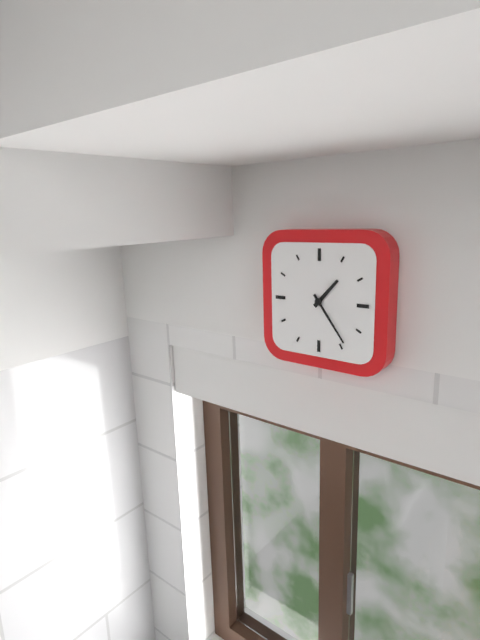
**1:24**
